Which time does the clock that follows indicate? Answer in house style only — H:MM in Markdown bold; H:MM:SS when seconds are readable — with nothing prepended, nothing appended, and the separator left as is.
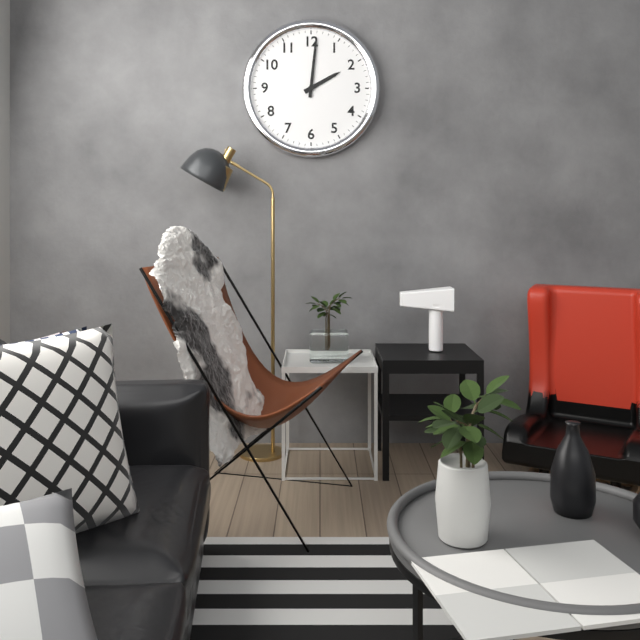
**2:01**
